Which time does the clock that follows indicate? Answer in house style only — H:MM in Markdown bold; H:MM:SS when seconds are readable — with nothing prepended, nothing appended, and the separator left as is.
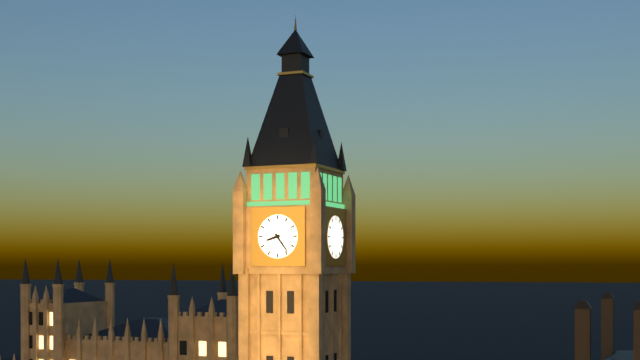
**8:24**
